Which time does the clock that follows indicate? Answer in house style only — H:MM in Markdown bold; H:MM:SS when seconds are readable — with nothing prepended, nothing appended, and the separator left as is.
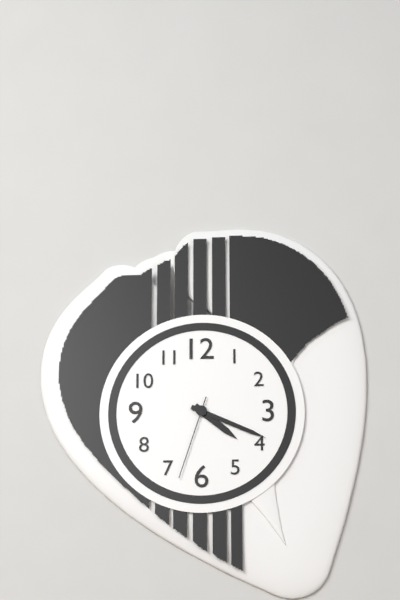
**4:19:33**
